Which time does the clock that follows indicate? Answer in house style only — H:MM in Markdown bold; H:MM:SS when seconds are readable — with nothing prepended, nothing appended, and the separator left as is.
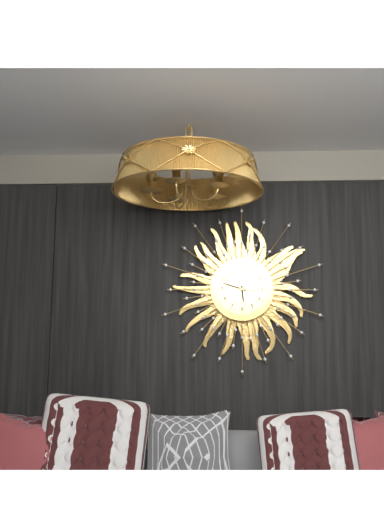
**5:48**
